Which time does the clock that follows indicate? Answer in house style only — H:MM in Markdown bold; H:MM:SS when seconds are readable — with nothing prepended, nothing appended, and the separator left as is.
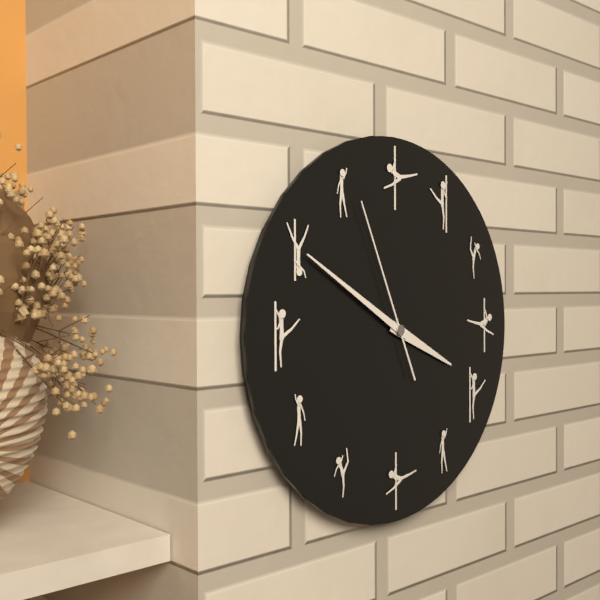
**3:50:56**
